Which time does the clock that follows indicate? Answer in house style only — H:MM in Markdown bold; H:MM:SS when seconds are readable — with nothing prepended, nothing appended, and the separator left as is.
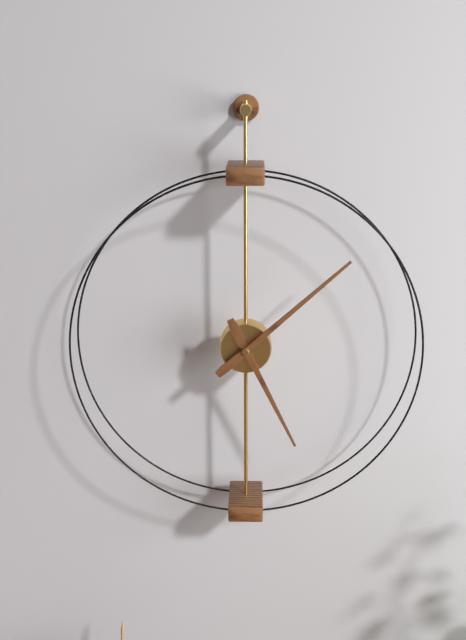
**5:08**
